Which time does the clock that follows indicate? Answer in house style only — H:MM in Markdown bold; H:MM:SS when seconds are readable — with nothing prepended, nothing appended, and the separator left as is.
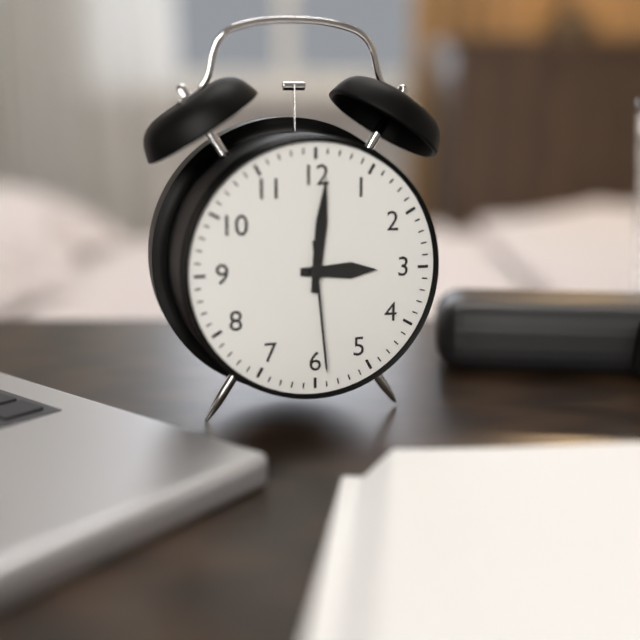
**3:01:29**
